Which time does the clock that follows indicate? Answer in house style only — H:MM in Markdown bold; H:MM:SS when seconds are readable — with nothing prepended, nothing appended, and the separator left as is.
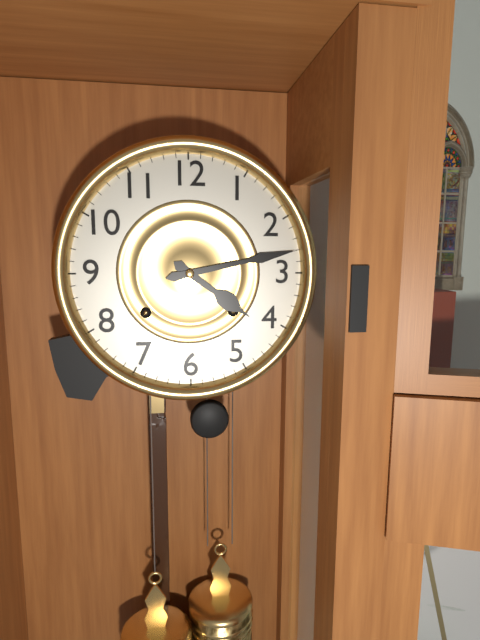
**4:13**
